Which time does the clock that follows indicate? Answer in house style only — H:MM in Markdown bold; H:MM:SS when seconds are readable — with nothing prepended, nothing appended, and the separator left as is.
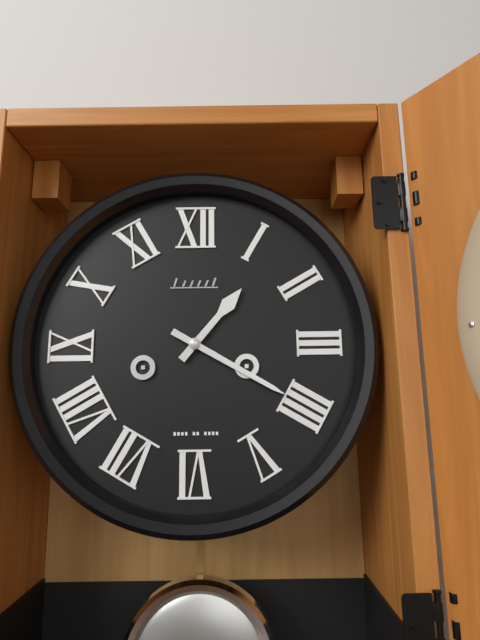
**1:20**
